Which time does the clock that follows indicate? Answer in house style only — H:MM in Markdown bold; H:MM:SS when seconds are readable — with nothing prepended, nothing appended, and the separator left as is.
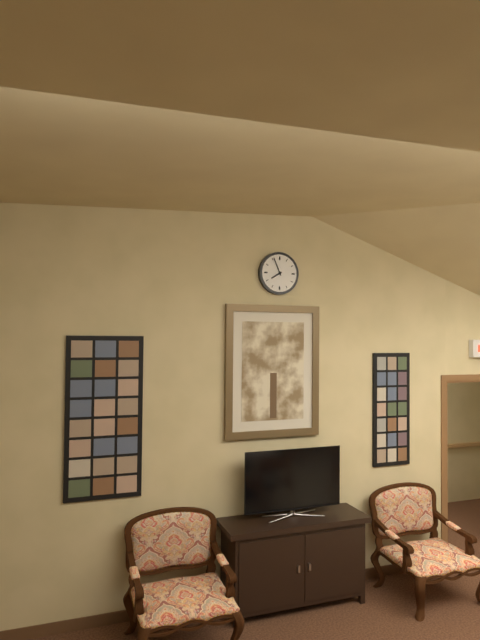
**7:56**
